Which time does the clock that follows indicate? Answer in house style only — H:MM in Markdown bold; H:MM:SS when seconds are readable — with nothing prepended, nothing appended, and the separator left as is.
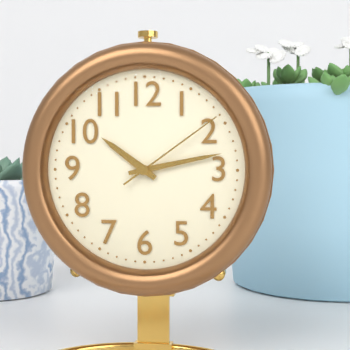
**10:13:09**
